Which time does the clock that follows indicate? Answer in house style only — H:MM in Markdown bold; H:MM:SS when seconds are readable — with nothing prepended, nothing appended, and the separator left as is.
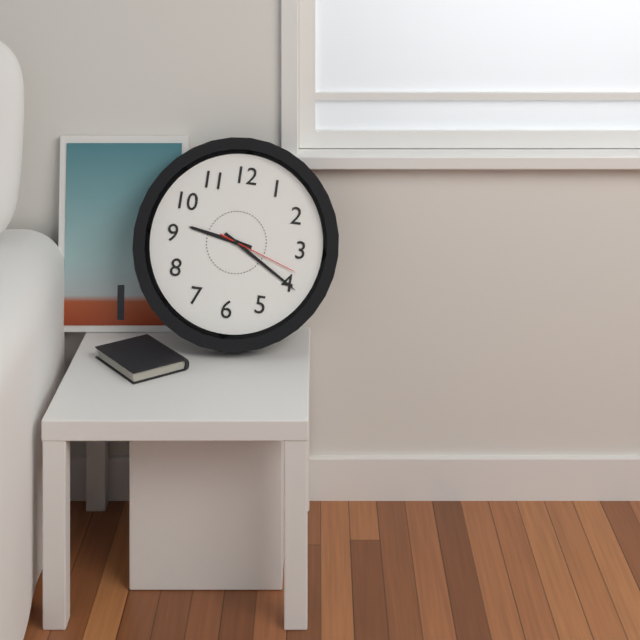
**9:20:18**
